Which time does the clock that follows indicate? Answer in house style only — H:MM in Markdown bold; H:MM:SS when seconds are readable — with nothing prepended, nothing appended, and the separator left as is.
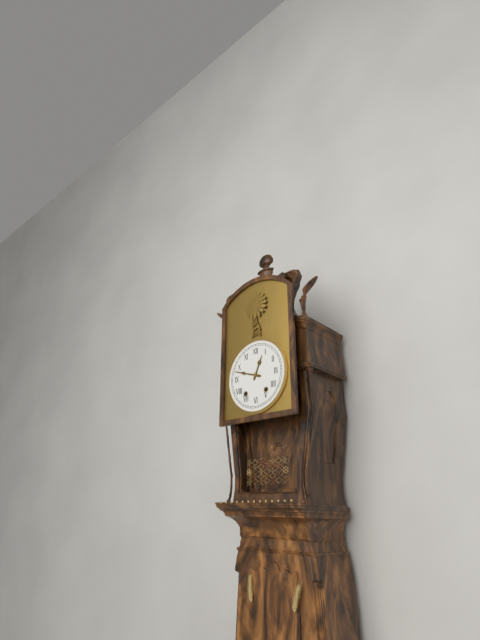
**12:48**
